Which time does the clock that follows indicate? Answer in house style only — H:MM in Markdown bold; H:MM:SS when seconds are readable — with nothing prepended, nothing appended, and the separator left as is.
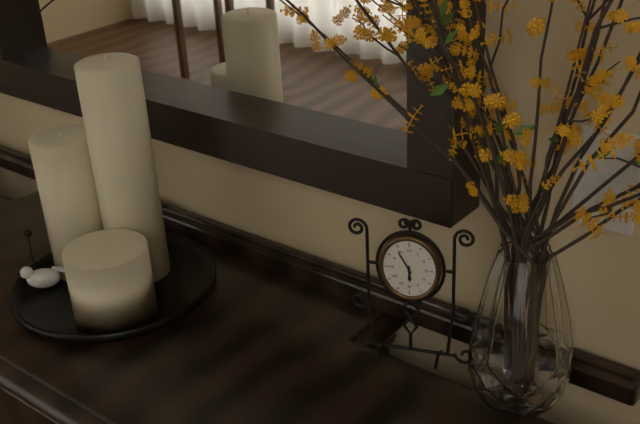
**5:55**
